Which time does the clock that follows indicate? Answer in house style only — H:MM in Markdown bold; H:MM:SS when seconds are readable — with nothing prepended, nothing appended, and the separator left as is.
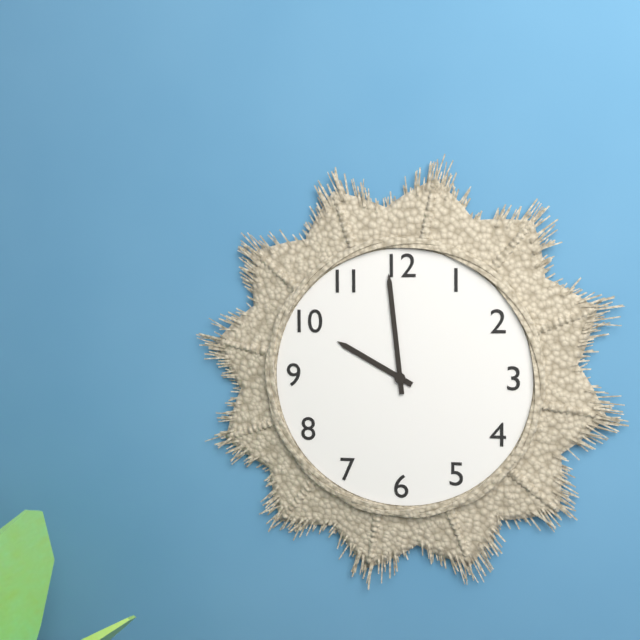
**9:59**
